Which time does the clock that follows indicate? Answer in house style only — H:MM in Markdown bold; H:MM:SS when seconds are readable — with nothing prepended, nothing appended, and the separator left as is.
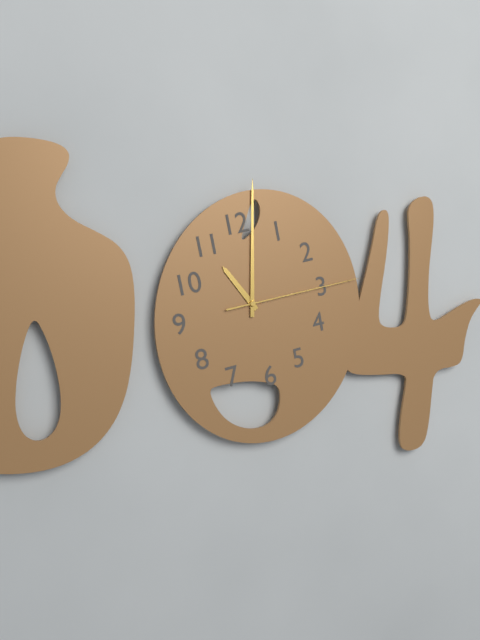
**11:02:15**
